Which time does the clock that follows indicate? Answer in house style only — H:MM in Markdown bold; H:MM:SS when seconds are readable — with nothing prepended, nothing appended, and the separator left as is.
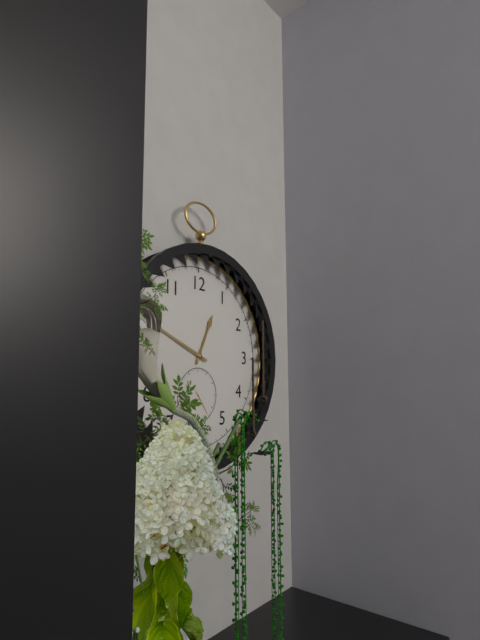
**12:49**
